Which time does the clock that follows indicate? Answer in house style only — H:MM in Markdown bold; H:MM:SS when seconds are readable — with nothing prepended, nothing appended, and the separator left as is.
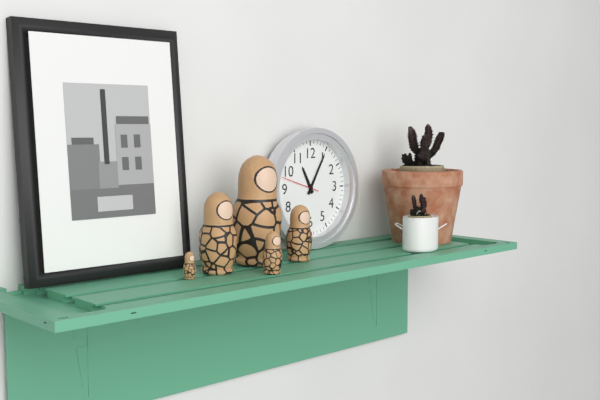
**11:05**
